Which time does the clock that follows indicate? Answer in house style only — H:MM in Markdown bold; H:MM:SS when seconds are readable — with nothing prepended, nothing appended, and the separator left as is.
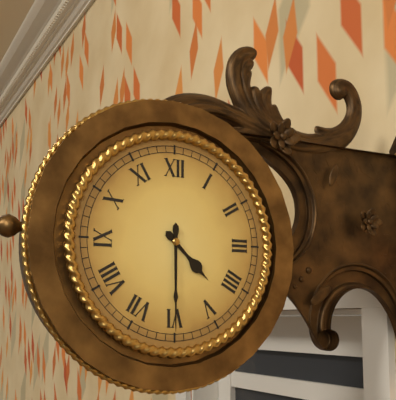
**4:30**
